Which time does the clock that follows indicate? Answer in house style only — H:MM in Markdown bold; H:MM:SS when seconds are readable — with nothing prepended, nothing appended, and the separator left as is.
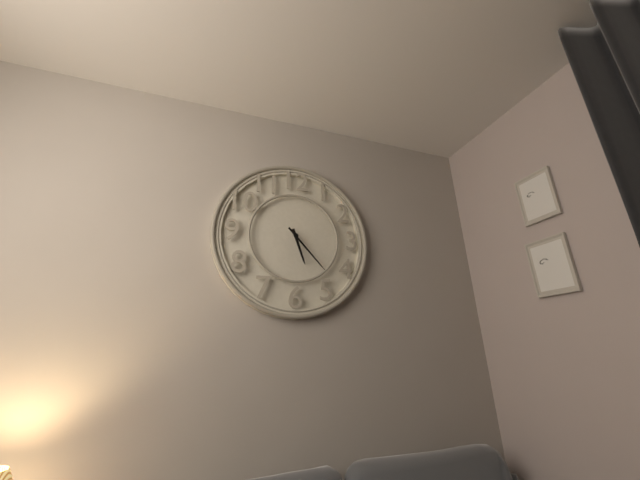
**5:23**
